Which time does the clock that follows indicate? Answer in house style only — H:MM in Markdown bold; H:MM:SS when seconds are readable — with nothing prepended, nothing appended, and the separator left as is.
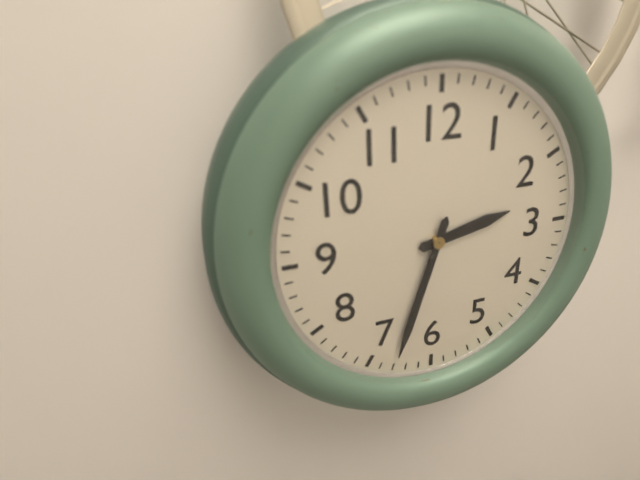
**2:33**
